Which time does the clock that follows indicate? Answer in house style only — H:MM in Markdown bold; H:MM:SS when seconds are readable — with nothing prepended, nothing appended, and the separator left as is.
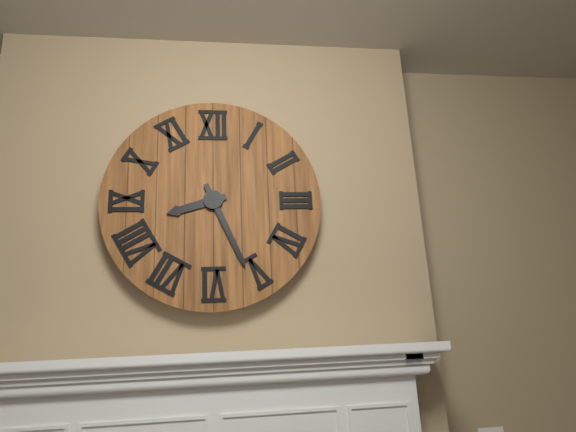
**8:26**
